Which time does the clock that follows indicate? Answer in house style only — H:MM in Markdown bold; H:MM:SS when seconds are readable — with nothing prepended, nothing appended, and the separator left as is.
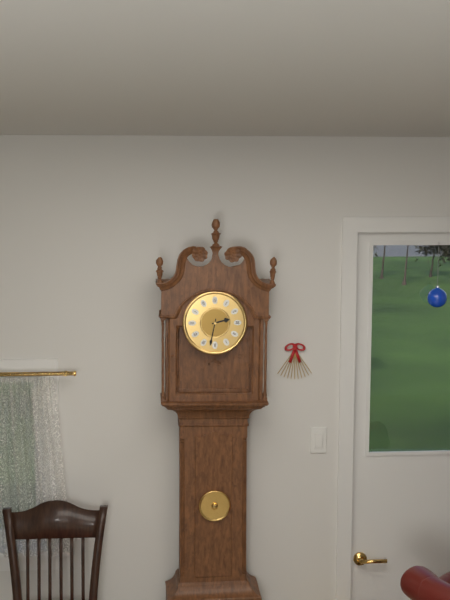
**2:32**
